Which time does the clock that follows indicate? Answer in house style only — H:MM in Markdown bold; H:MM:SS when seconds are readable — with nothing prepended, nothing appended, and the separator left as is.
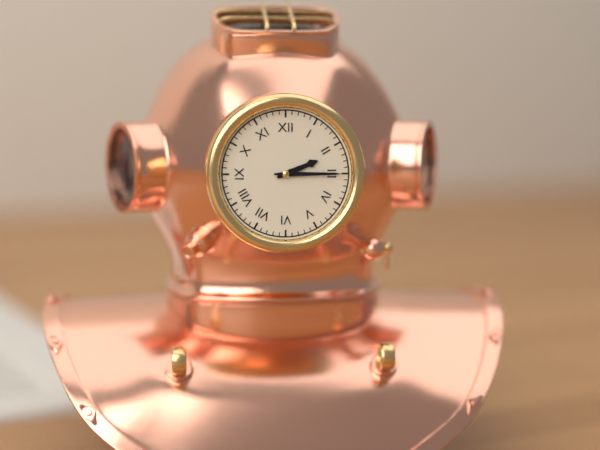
**2:15**
